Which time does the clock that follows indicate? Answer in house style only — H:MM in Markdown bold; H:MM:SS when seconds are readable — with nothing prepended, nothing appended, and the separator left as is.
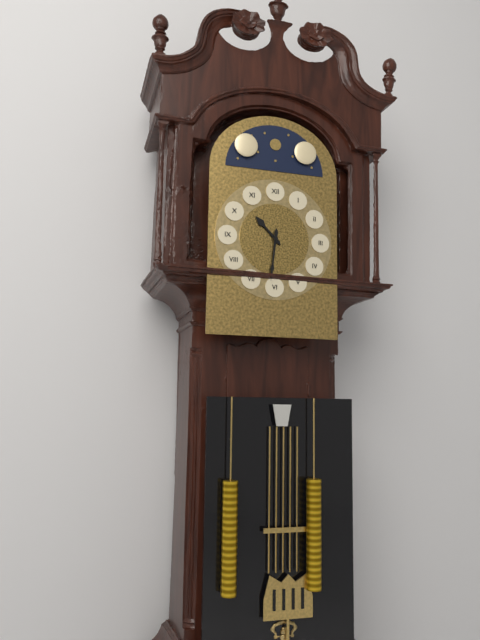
**10:31**
